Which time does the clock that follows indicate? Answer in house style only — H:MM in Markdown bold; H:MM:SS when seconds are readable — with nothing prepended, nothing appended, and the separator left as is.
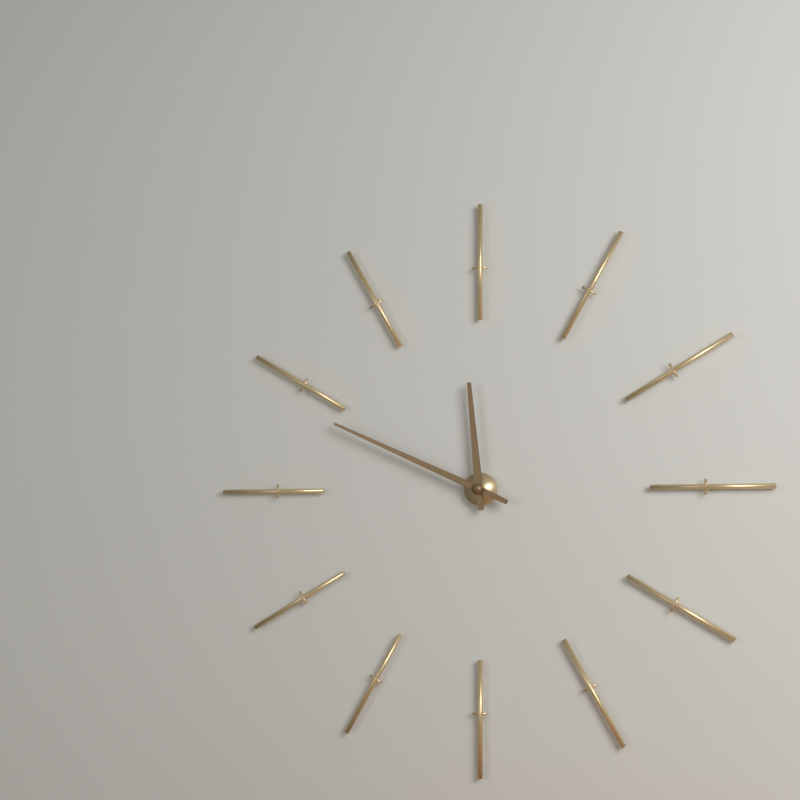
**11:49**
